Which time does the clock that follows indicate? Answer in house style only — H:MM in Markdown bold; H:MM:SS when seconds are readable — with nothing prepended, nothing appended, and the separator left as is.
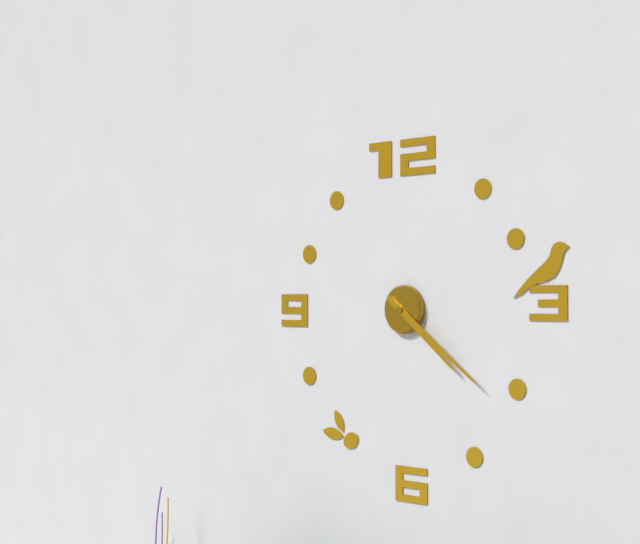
**4:21**
